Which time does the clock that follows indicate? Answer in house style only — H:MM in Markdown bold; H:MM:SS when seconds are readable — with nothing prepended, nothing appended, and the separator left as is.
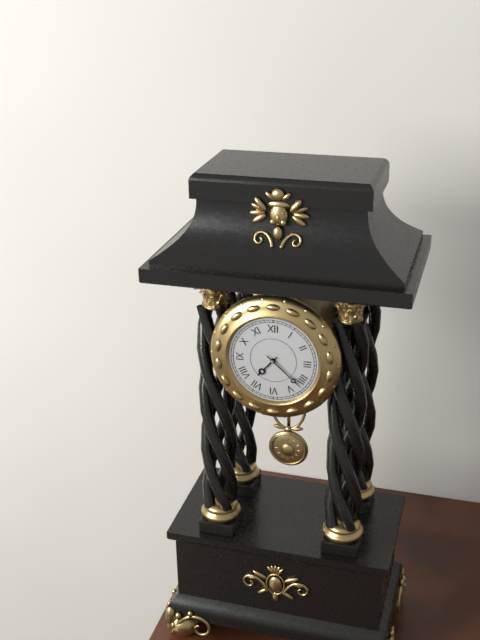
**7:22**
